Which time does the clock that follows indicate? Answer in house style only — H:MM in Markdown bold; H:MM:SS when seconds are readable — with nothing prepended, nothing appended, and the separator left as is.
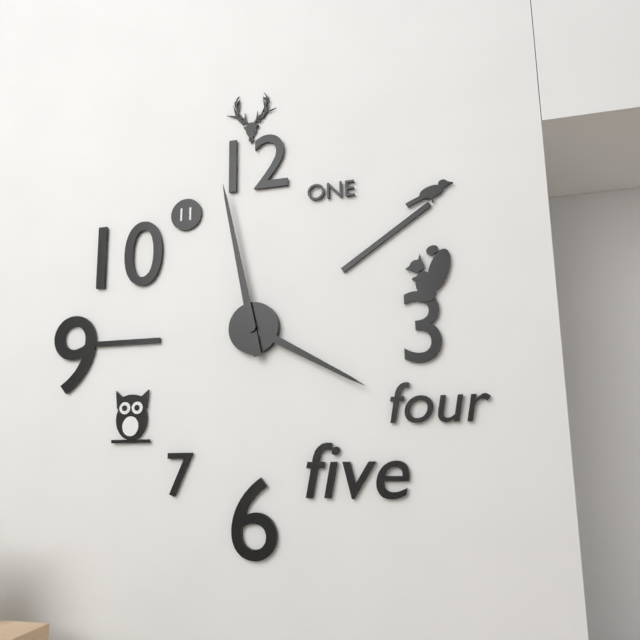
**3:58**
